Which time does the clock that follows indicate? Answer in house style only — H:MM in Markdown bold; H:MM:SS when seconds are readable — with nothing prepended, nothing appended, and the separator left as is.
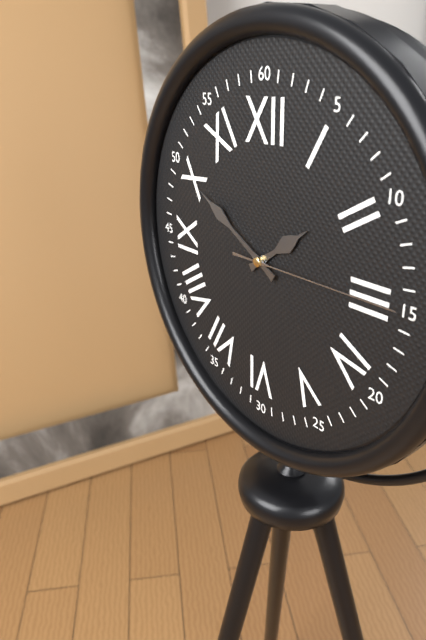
**1:50:15**
